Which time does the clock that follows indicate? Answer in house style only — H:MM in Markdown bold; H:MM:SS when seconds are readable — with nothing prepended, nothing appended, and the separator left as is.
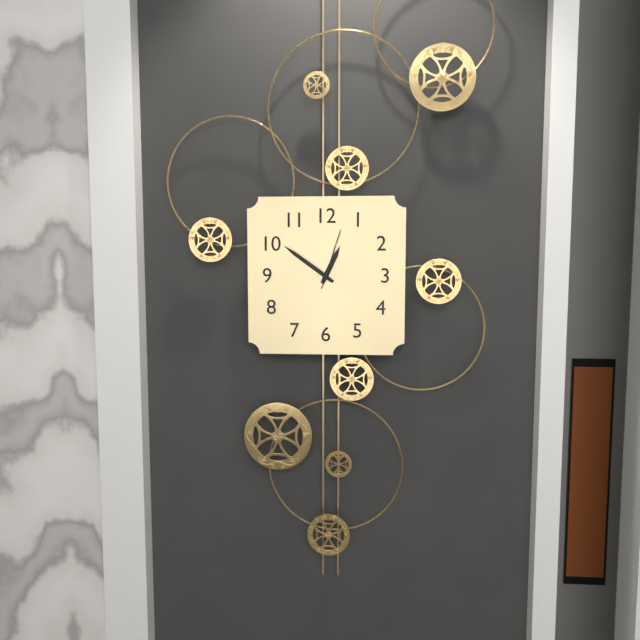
**12:51:03**
